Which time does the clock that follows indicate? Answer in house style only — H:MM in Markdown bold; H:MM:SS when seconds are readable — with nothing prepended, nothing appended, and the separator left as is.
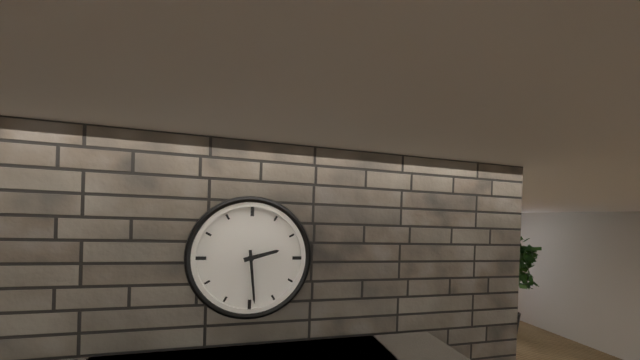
**2:29**
